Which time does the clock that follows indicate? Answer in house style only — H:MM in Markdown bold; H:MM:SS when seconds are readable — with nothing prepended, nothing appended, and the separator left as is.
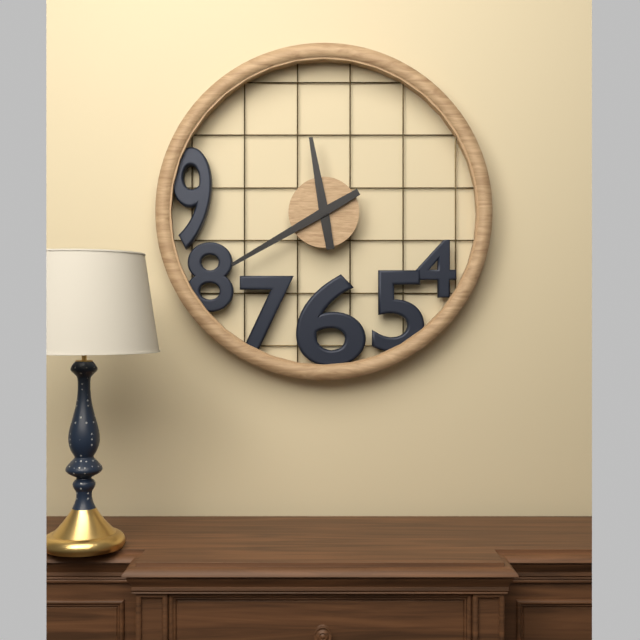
**11:40**
